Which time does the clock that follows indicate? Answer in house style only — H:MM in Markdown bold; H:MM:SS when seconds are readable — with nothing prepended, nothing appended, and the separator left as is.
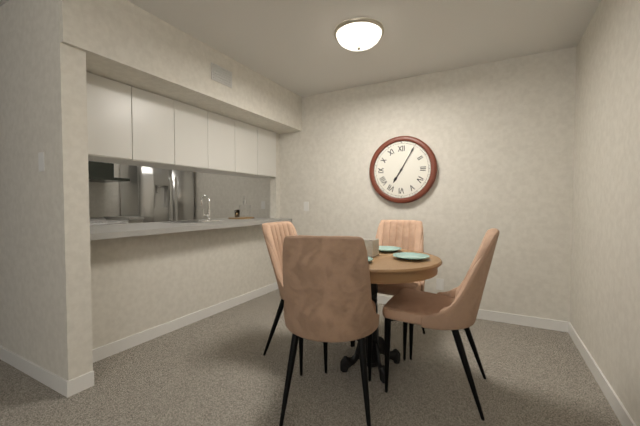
**7:05**
